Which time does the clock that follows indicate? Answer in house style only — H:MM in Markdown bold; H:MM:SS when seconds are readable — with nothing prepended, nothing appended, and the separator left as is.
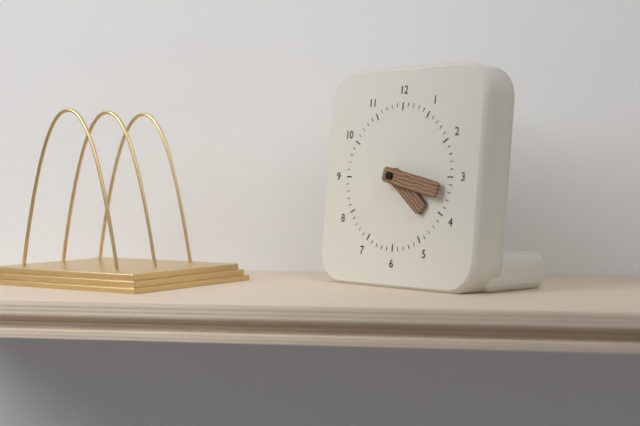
**4:17**
